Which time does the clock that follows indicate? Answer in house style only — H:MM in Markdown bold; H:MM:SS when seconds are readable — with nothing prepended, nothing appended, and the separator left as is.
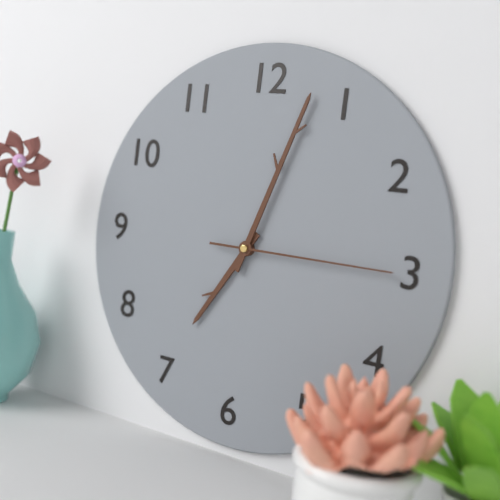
**7:03:15**
